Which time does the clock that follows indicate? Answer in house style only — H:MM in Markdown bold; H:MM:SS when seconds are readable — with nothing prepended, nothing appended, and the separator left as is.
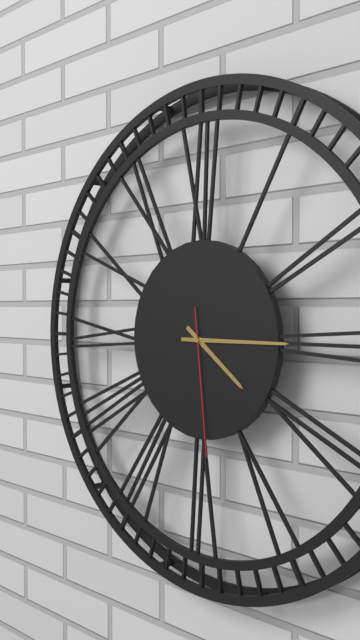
**4:15:29**
